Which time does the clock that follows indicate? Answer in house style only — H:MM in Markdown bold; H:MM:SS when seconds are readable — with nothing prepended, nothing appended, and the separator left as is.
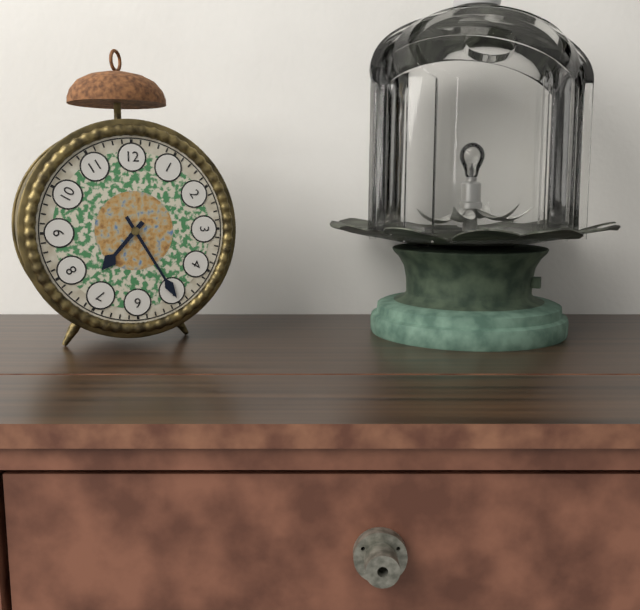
**7:25**
